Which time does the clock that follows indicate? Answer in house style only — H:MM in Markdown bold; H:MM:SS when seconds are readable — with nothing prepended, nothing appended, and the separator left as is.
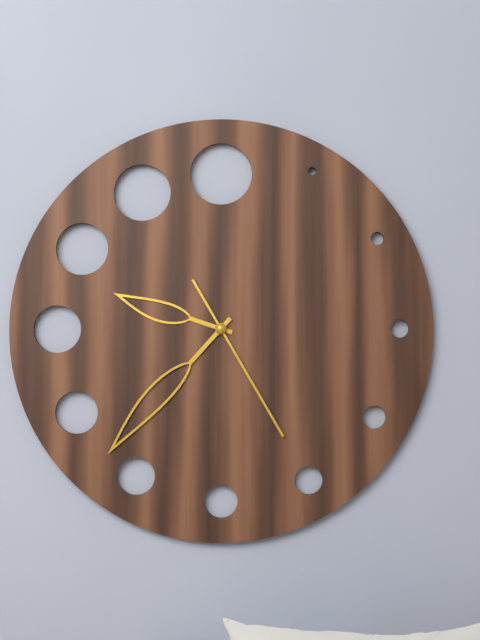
**9:37:25**
